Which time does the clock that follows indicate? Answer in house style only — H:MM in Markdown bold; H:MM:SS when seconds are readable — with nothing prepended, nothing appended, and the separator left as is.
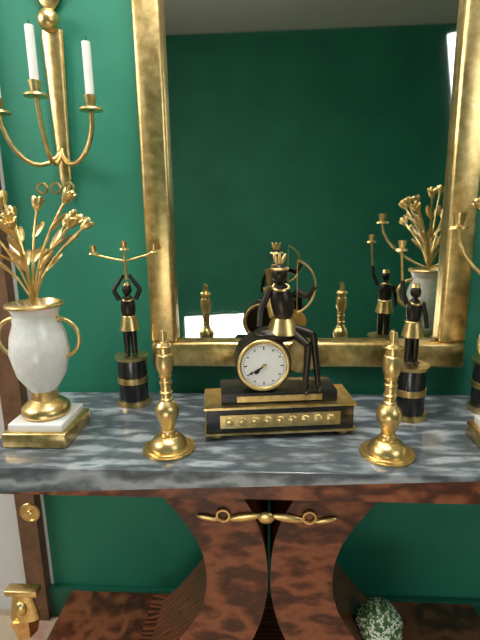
**7:40**
